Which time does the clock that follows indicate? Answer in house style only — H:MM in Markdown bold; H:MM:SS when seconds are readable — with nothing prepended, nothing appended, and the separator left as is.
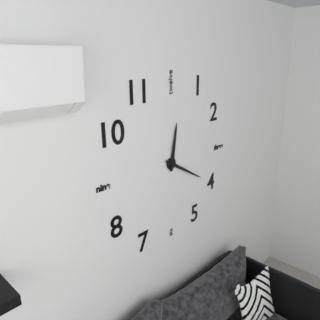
**12:20**
